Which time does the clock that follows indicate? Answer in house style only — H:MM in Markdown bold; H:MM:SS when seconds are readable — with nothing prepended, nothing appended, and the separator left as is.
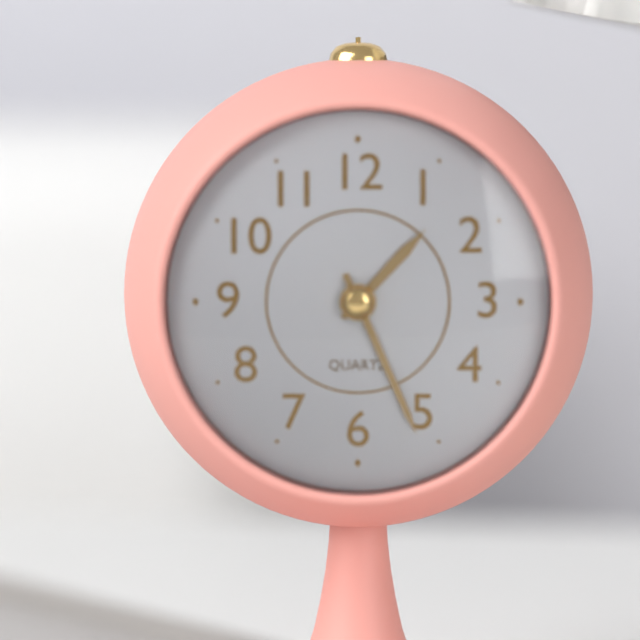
**1:26**
